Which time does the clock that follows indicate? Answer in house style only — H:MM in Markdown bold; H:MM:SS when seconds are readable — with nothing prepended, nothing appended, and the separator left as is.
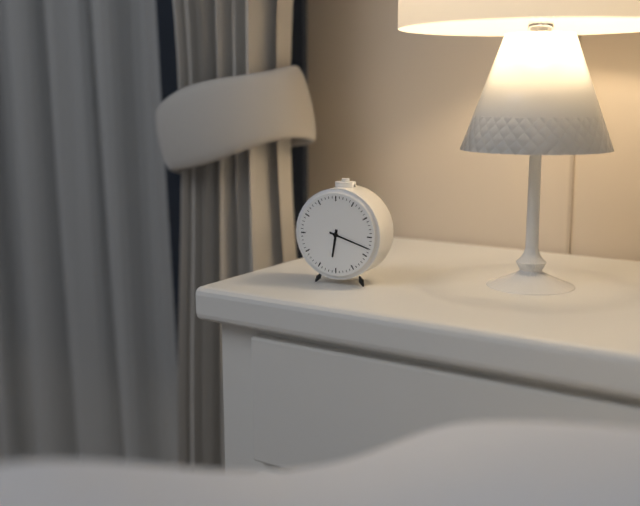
**6:18**
